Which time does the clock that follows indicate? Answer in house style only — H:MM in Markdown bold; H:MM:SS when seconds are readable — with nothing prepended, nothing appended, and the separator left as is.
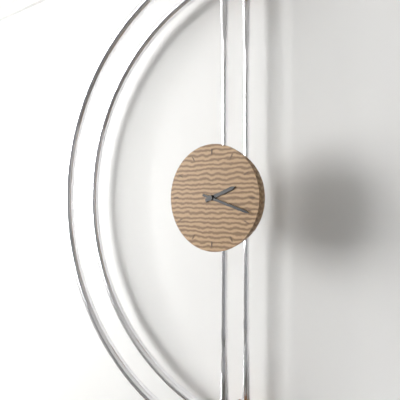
**2:18**
